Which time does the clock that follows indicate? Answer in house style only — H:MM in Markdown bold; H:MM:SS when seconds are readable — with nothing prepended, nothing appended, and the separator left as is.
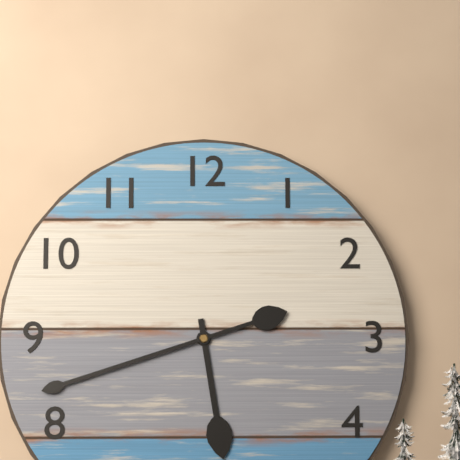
**5:42**
